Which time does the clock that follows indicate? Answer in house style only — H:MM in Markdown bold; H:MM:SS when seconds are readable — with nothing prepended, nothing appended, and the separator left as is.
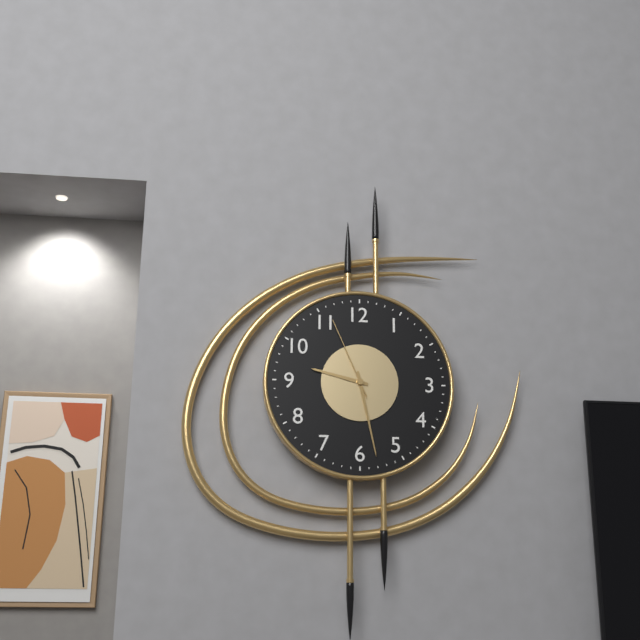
**9:28:56**
